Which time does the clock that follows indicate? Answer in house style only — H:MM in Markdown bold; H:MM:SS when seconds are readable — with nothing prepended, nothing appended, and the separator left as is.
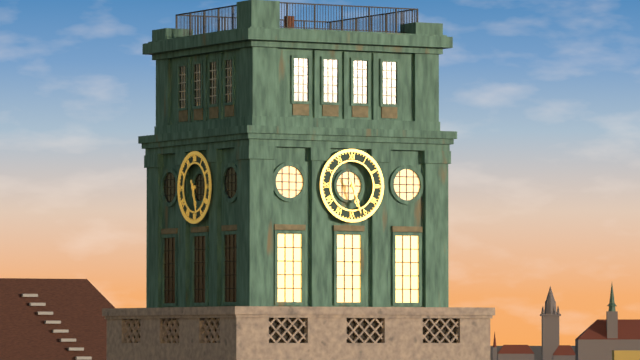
**5:27**
